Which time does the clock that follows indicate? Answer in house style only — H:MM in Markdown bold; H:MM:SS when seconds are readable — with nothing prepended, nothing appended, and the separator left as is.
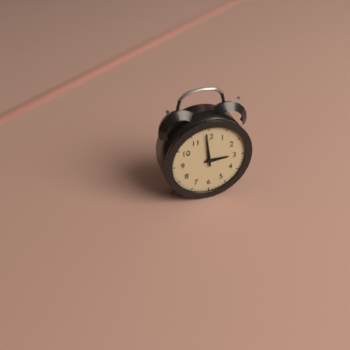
**2:59**
